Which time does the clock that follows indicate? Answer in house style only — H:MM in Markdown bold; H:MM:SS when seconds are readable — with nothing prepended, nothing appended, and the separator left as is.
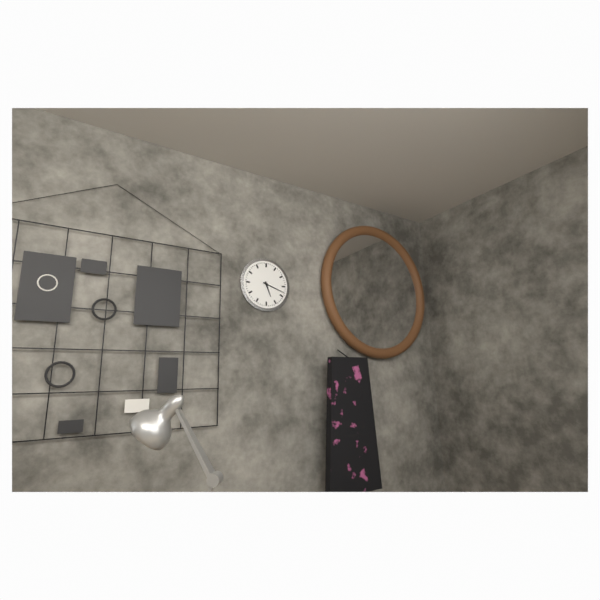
**5:18**
